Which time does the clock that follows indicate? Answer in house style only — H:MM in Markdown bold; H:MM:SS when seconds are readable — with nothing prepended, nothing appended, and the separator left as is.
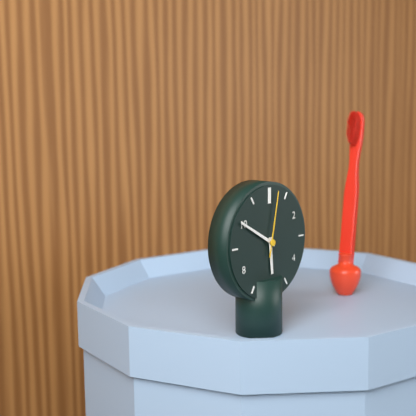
**5:50:02**
